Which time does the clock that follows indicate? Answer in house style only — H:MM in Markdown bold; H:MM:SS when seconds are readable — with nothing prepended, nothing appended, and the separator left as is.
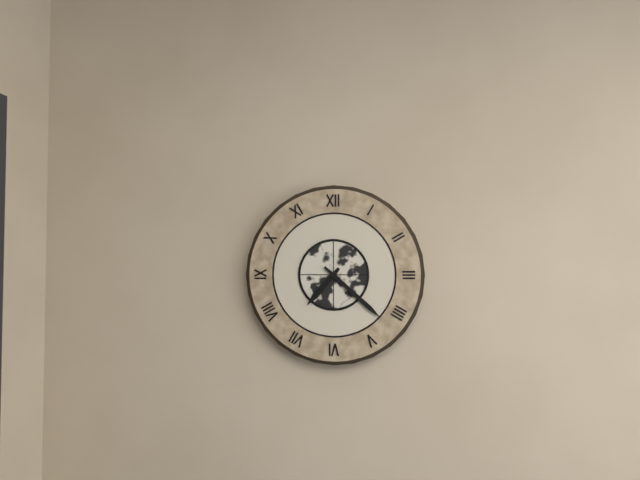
**7:22**
